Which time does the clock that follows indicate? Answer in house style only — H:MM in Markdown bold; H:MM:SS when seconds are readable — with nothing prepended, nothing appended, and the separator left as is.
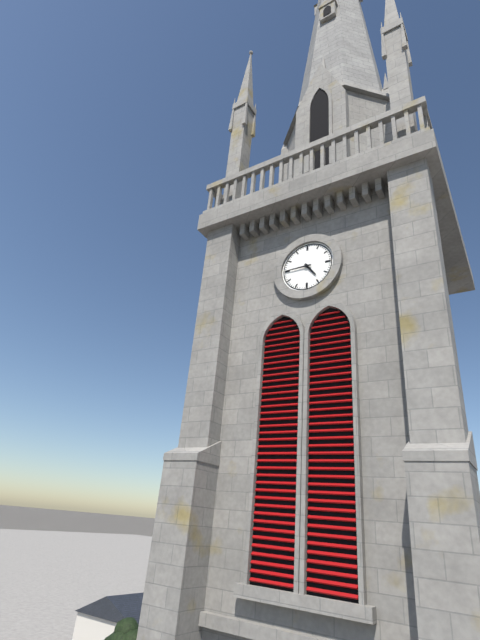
**4:45**
